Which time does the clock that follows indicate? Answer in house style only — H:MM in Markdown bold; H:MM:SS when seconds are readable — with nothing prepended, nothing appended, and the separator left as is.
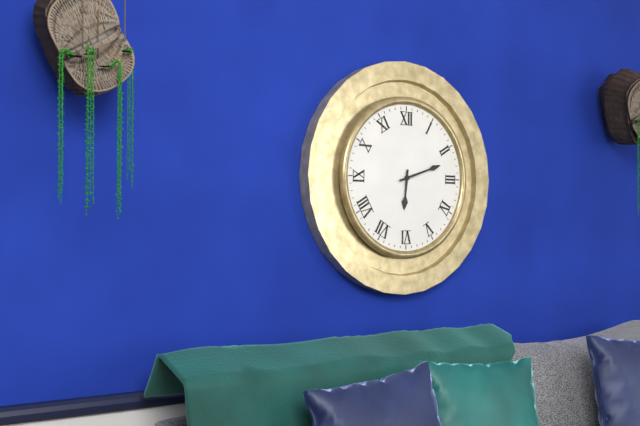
**6:12**
